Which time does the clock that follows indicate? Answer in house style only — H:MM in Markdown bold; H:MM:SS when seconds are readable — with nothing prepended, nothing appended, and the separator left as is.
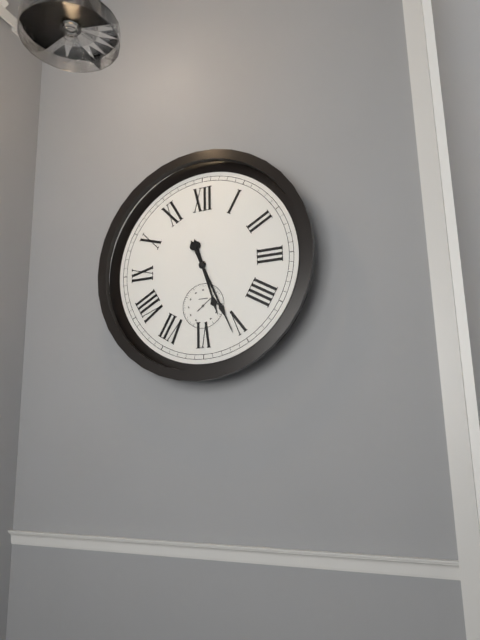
**5:26**
